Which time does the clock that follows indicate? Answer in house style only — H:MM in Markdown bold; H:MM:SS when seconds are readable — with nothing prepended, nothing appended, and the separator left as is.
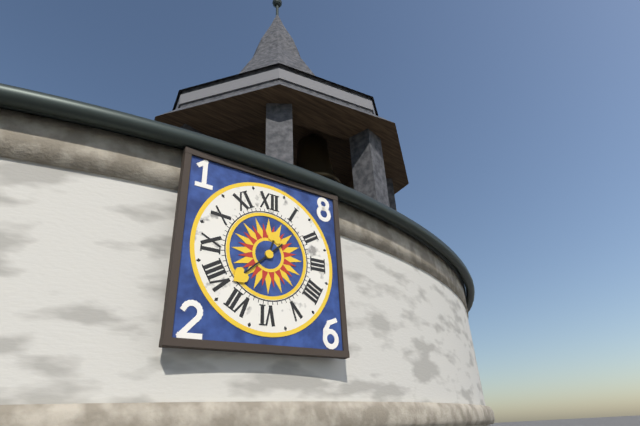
**12:38**
